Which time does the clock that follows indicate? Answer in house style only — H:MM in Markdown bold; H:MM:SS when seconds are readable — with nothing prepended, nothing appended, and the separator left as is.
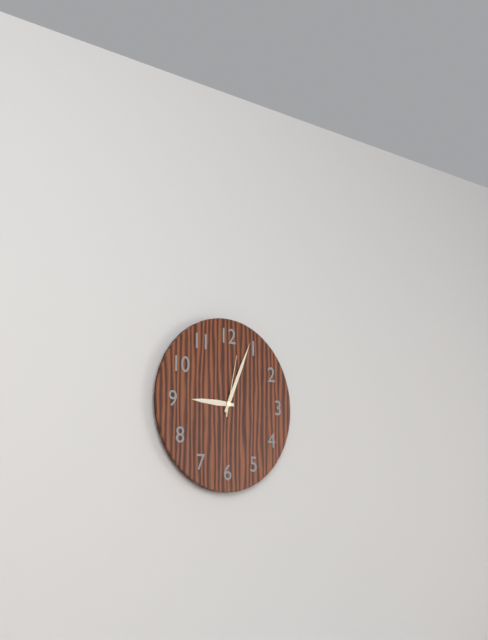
**9:04:02**
